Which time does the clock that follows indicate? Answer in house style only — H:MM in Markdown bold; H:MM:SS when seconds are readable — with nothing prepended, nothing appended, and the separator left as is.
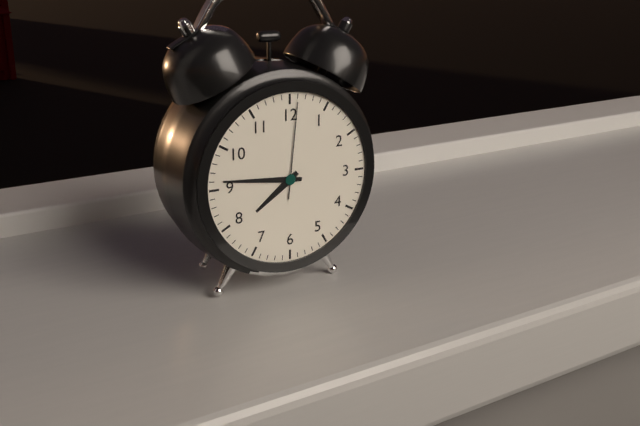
**7:46:01**
